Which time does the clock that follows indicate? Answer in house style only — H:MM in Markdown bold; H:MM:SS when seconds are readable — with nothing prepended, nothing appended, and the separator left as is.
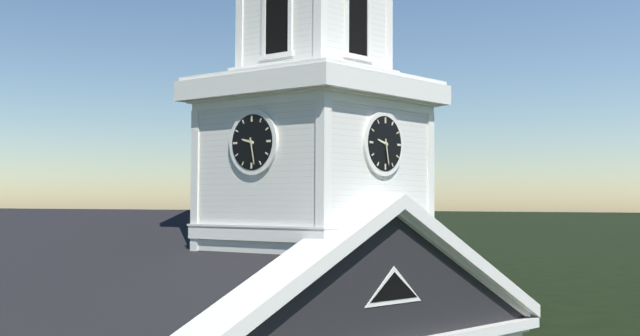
**9:28**
